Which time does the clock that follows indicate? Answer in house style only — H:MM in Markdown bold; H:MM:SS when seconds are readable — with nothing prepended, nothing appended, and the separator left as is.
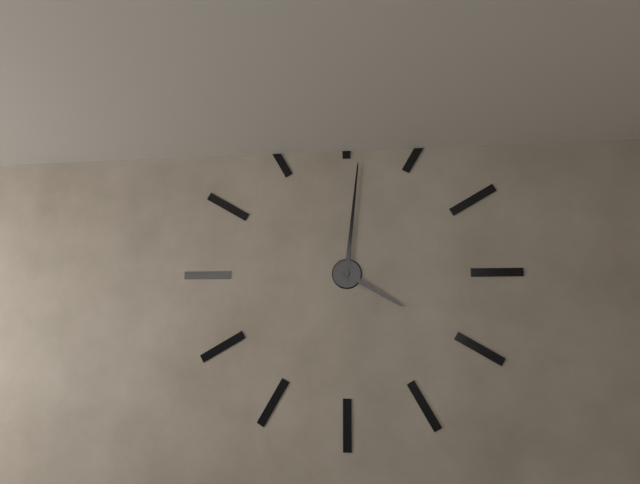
**4:01**
